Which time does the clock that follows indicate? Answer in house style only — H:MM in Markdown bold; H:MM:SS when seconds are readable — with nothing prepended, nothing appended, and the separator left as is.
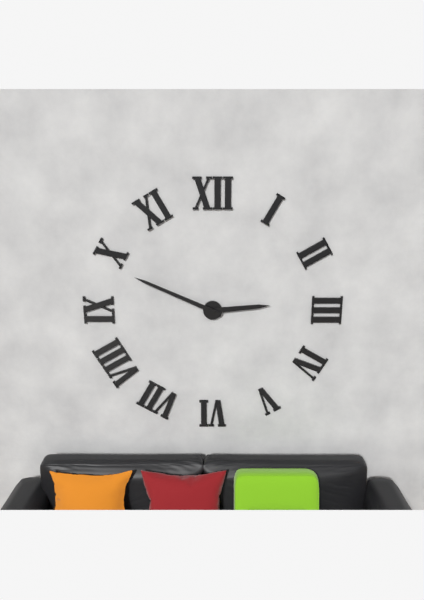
**2:49**
